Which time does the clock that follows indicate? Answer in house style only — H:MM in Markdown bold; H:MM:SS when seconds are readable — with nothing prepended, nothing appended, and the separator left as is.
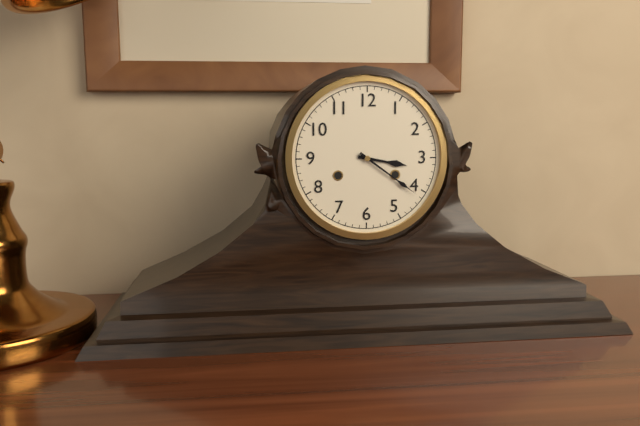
**3:21**
